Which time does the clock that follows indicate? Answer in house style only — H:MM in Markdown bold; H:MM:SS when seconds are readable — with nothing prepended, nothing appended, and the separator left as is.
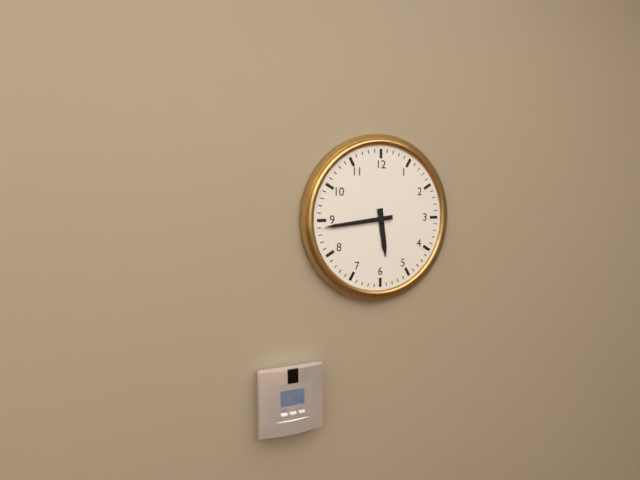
**5:44**
